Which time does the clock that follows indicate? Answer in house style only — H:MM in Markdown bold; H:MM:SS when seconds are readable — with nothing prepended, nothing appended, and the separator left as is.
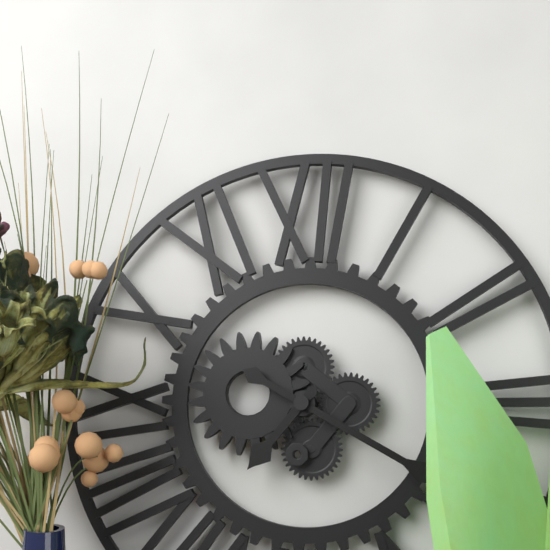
**7:20**
